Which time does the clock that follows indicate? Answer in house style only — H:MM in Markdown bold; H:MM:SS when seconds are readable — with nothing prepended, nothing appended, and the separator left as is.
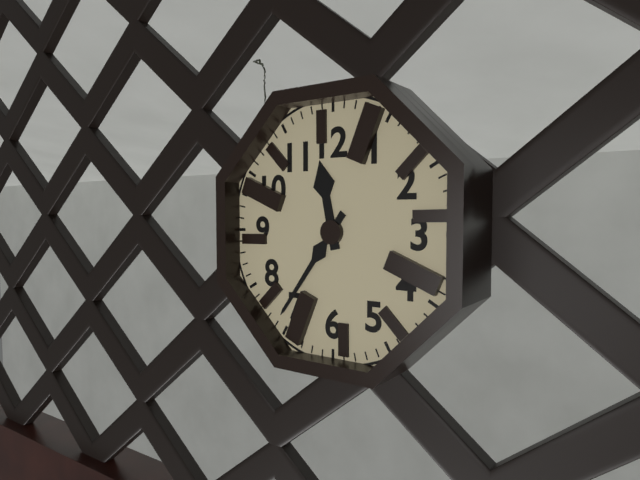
**11:36**
